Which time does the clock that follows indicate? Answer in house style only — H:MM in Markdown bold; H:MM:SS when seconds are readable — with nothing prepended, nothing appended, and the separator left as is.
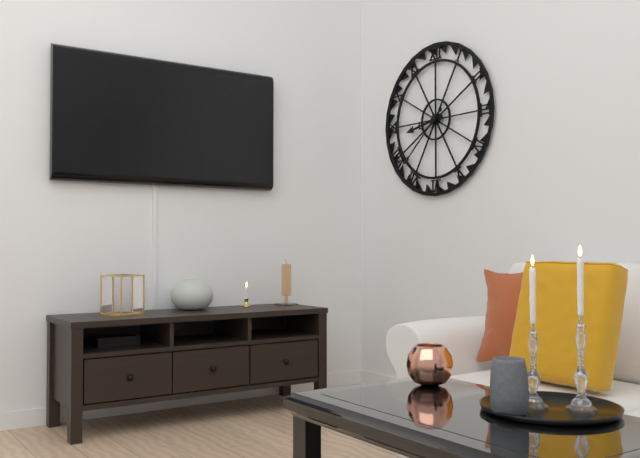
**8:38**
